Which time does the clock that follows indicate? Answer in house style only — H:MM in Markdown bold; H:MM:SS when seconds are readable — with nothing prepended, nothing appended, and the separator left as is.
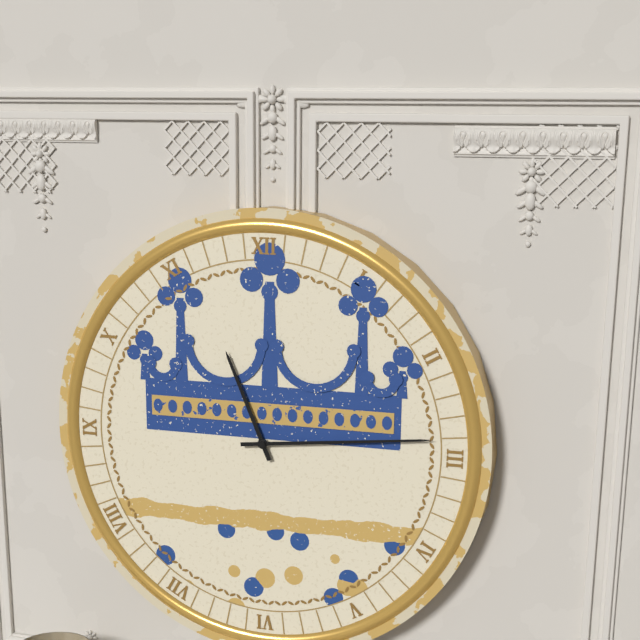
**11:14**
